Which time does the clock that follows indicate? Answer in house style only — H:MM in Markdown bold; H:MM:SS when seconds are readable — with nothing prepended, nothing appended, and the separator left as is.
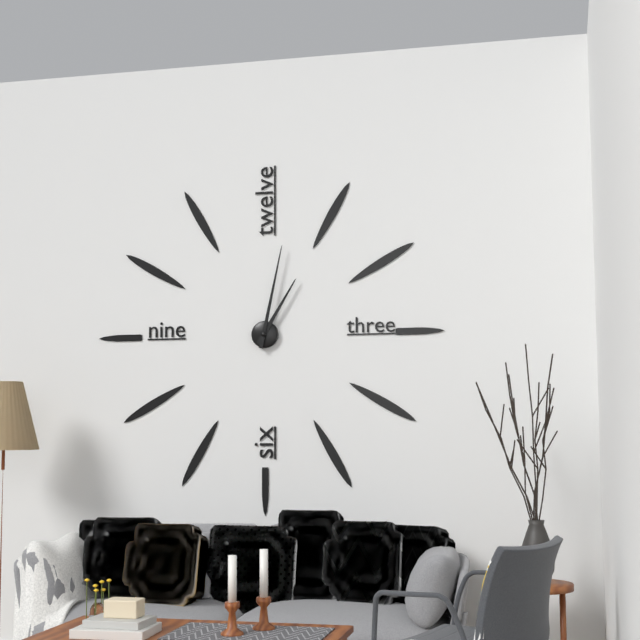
**1:02**
